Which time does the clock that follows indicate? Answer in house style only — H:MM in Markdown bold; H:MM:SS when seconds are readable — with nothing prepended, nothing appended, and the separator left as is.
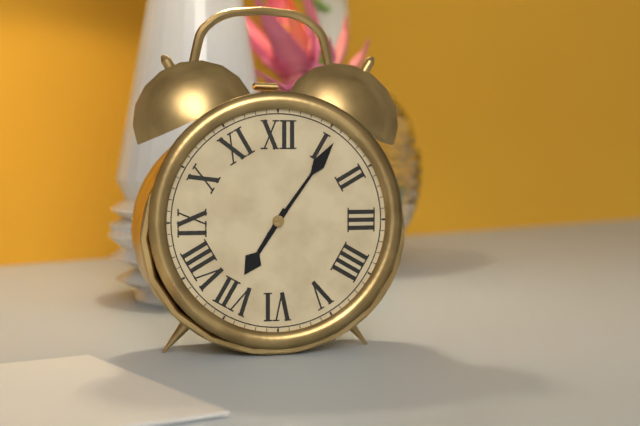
**7:06**
